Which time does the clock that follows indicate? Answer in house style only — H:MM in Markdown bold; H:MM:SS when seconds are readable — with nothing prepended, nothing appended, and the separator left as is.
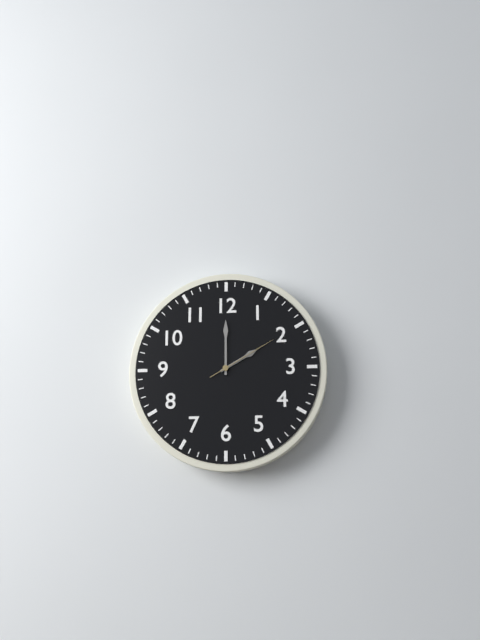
**2:00:10**
